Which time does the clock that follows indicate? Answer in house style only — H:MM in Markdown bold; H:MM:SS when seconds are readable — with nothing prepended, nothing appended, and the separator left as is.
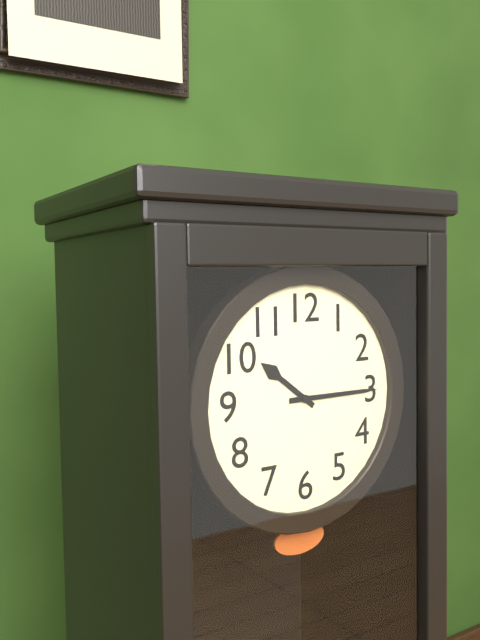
**10:15**
